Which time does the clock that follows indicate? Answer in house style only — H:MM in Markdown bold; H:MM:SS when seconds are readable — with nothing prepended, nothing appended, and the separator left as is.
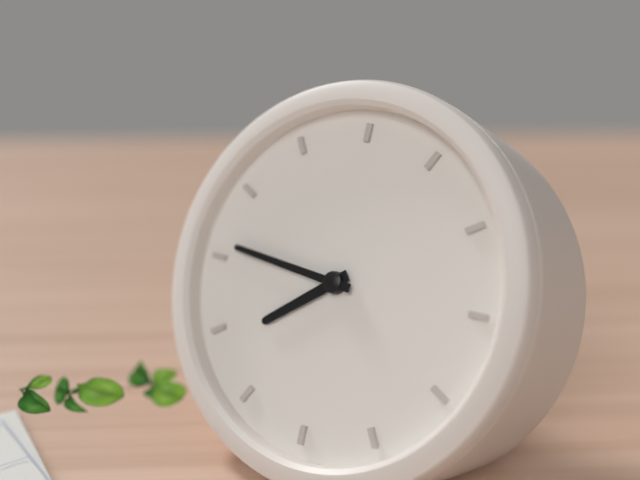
**7:46**
